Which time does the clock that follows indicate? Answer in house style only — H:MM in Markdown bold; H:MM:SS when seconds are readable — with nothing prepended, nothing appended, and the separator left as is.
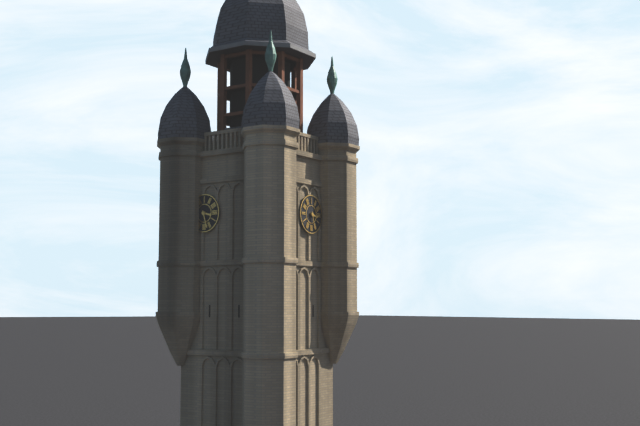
**3:27**
